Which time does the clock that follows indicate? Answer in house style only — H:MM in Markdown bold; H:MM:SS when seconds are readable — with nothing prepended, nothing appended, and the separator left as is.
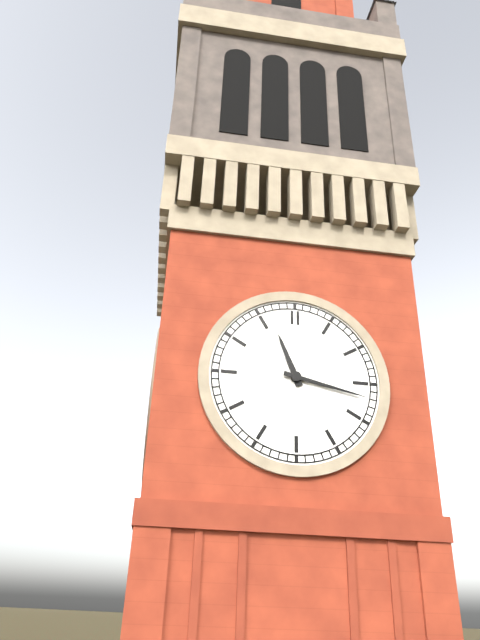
**11:17**
